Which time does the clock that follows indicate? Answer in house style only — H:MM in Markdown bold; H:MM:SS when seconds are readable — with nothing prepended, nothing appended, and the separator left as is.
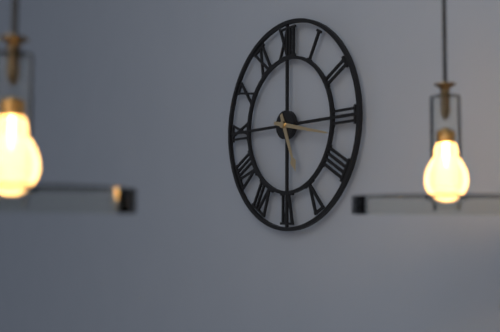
**5:17**
